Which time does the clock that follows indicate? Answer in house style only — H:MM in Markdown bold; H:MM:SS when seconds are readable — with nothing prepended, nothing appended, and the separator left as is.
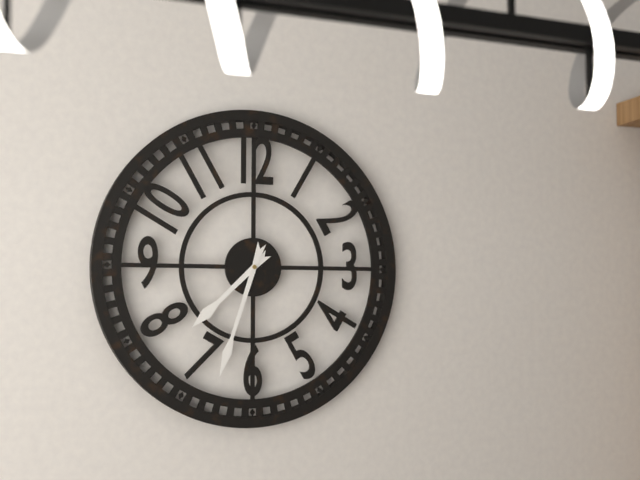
**7:33**
